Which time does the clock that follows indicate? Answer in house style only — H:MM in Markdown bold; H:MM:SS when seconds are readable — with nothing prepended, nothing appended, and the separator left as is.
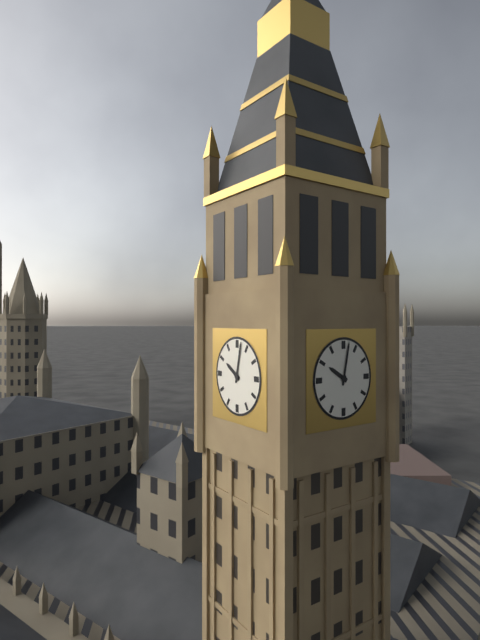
**10:02**
